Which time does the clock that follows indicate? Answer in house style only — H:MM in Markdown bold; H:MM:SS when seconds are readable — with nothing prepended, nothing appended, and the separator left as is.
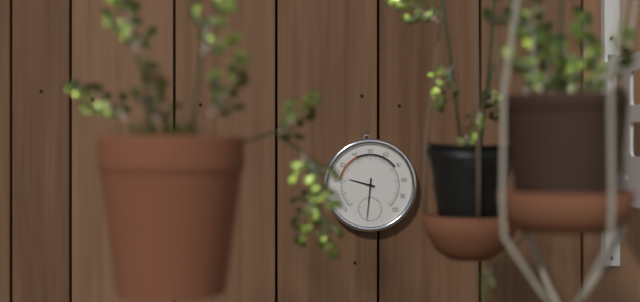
**9:31**
